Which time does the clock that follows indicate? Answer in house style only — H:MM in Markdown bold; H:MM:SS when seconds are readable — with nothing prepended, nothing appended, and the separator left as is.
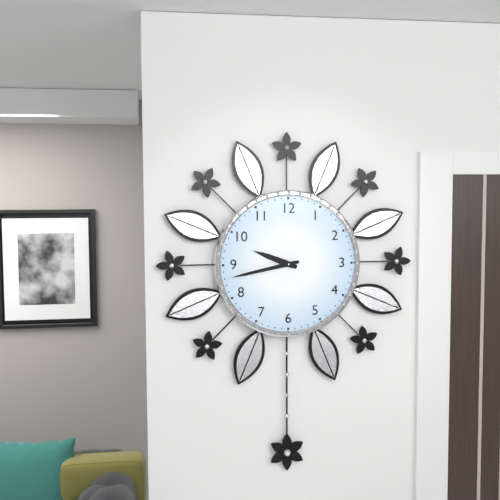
**9:43**
